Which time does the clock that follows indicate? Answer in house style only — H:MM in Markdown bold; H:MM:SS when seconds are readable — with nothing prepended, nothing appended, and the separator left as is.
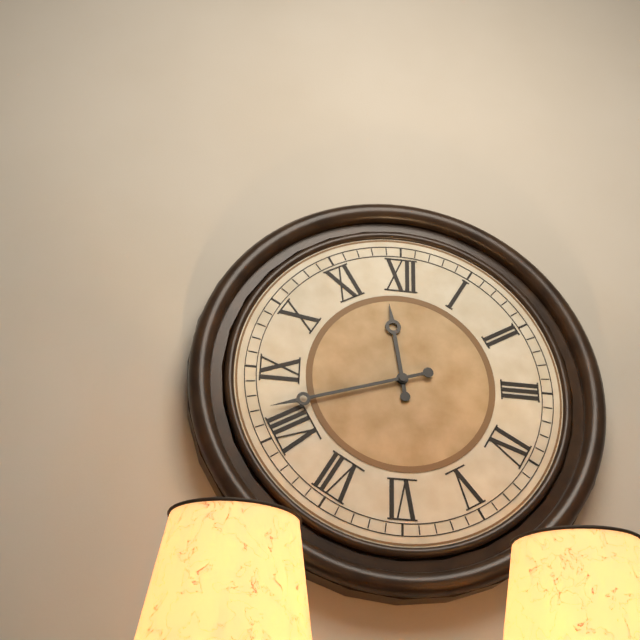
**11:42**
